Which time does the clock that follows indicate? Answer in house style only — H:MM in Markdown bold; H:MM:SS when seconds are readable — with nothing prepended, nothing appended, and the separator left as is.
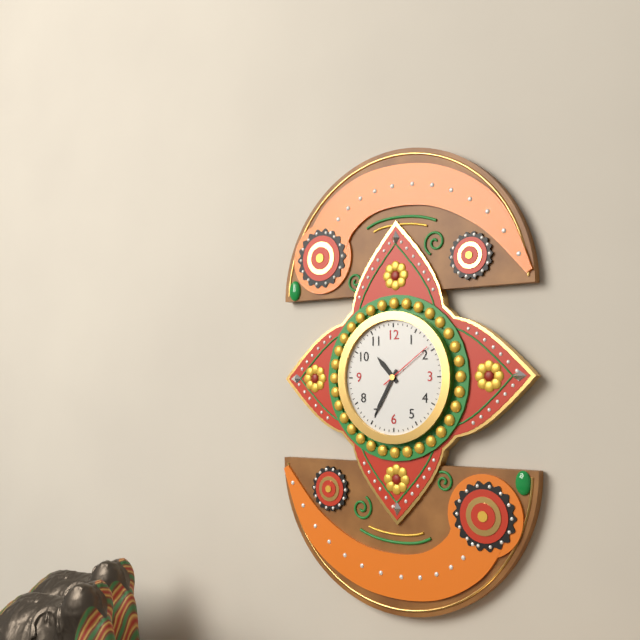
**10:35**
